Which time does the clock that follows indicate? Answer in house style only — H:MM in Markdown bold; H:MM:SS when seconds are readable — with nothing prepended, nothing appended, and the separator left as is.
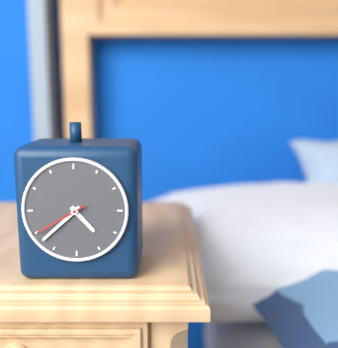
**4:38:40**
